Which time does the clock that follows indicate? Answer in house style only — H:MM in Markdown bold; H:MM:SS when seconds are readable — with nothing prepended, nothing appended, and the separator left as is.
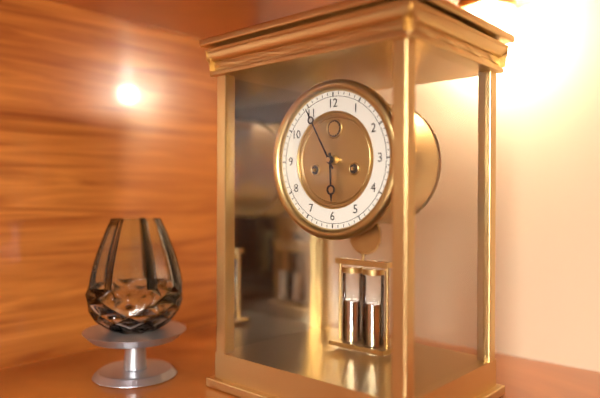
**5:55**
